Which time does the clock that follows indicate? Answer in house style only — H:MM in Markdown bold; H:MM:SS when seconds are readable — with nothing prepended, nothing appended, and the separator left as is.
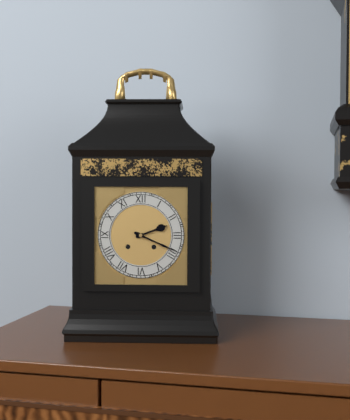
**2:19**
